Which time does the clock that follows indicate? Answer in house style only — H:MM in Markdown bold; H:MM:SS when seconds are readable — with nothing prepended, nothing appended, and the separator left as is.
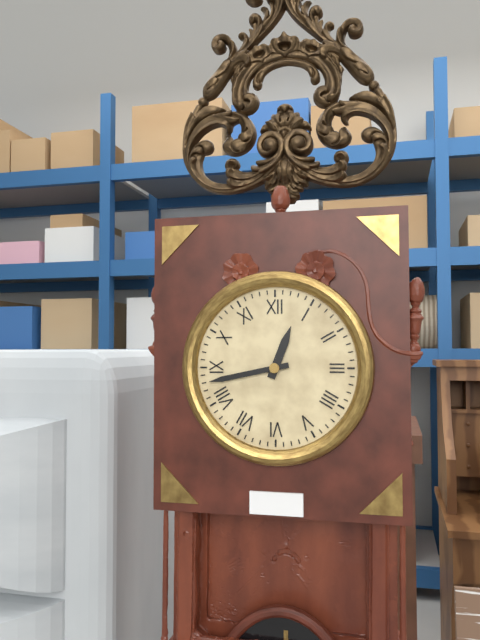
**12:43**
